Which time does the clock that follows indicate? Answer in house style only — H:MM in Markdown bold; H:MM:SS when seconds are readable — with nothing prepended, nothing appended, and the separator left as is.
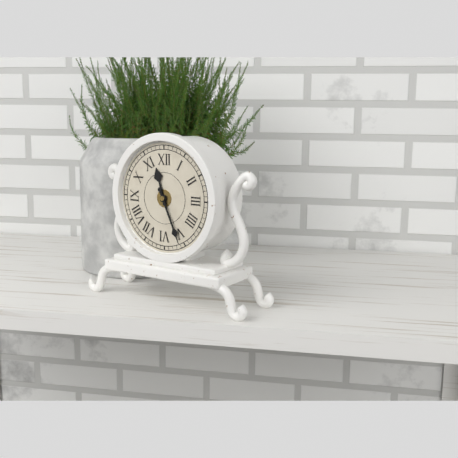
**11:26**
